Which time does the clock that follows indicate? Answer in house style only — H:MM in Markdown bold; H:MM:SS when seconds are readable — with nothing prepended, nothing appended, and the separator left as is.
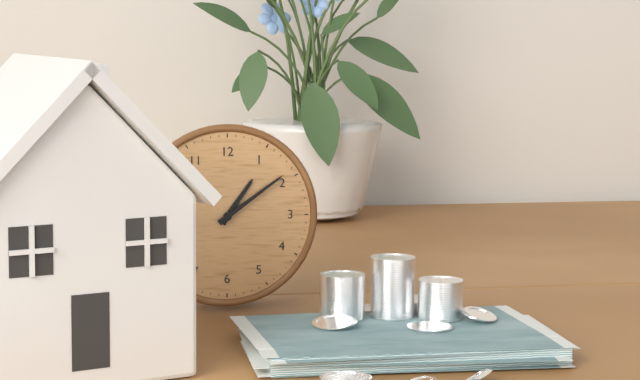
**1:09**
